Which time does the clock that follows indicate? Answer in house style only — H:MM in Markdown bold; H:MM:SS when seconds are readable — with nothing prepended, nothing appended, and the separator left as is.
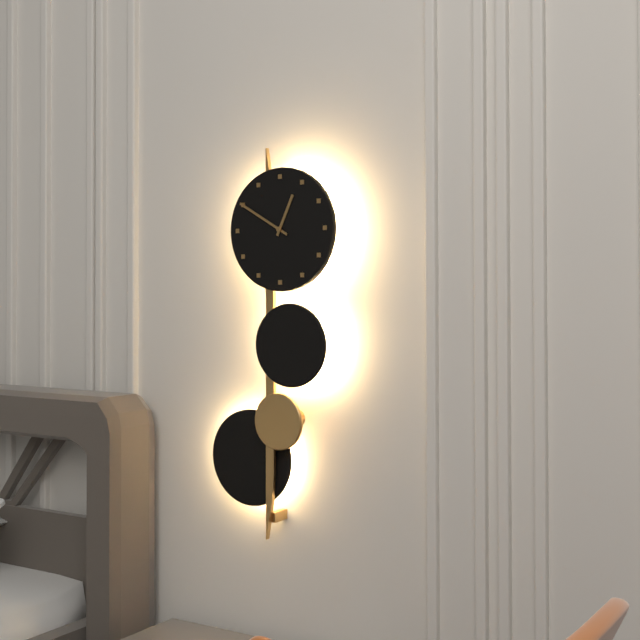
**12:50**
